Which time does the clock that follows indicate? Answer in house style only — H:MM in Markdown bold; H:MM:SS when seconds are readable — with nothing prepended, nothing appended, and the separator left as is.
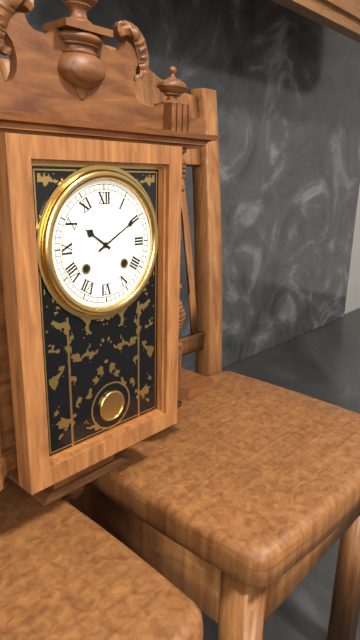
**10:10**
